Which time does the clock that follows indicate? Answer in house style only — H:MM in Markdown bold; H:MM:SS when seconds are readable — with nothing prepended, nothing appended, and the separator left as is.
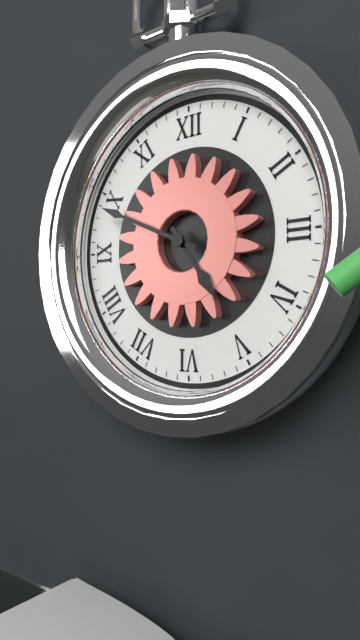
**4:49**
